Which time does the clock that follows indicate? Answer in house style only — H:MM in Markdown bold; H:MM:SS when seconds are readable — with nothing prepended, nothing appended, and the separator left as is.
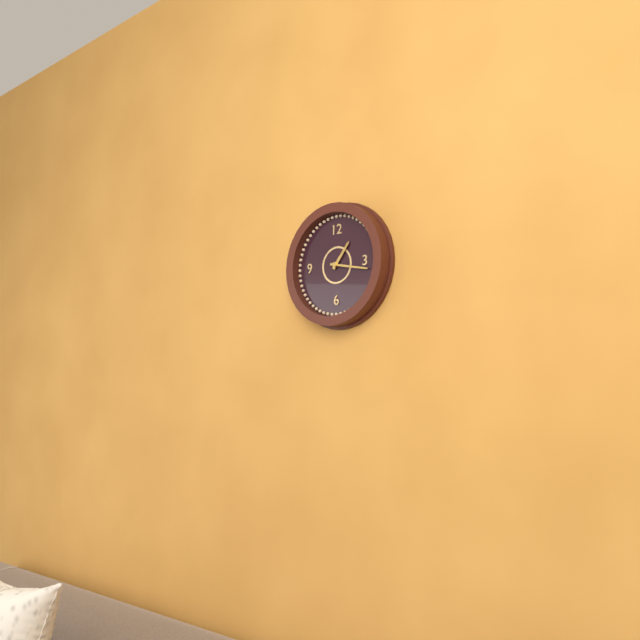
**1:17**
